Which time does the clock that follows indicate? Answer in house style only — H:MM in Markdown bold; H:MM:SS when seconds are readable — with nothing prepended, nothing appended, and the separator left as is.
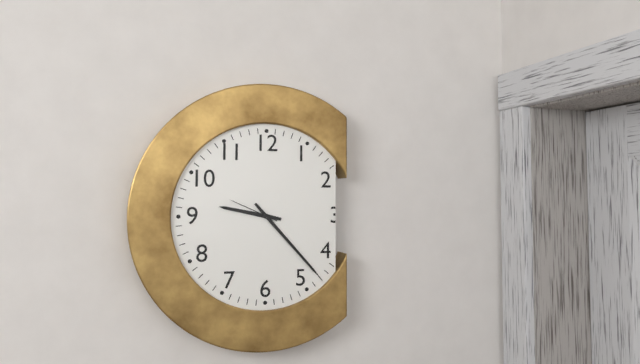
**9:23:49**
